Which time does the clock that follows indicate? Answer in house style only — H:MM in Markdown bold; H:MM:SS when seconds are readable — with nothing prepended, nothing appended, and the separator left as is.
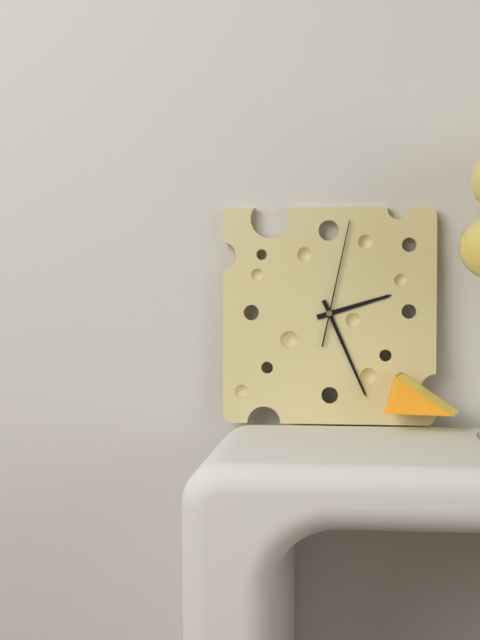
**2:26:02**
